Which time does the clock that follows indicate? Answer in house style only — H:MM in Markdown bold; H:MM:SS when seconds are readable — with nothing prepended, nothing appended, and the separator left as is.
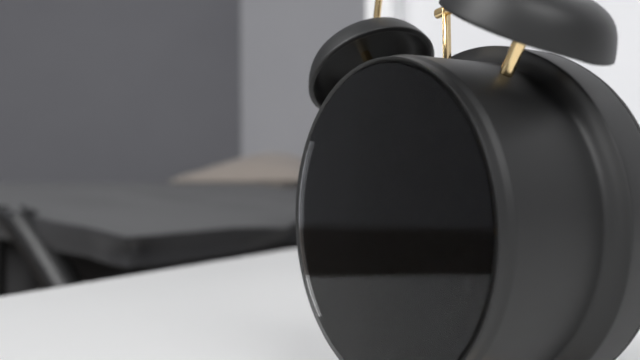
**12:05:54**
